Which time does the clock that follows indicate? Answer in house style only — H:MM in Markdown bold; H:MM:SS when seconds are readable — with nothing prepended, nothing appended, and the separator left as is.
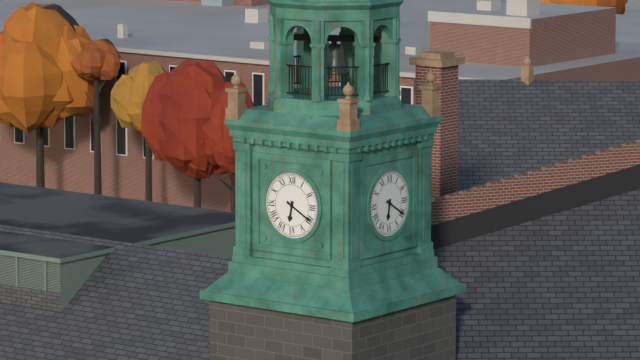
**6:20**
